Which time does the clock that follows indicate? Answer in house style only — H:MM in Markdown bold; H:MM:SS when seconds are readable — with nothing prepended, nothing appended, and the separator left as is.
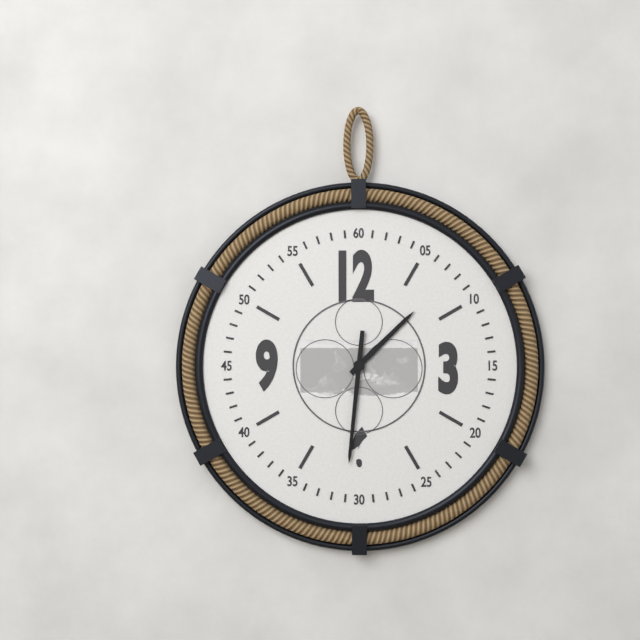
**1:31**
